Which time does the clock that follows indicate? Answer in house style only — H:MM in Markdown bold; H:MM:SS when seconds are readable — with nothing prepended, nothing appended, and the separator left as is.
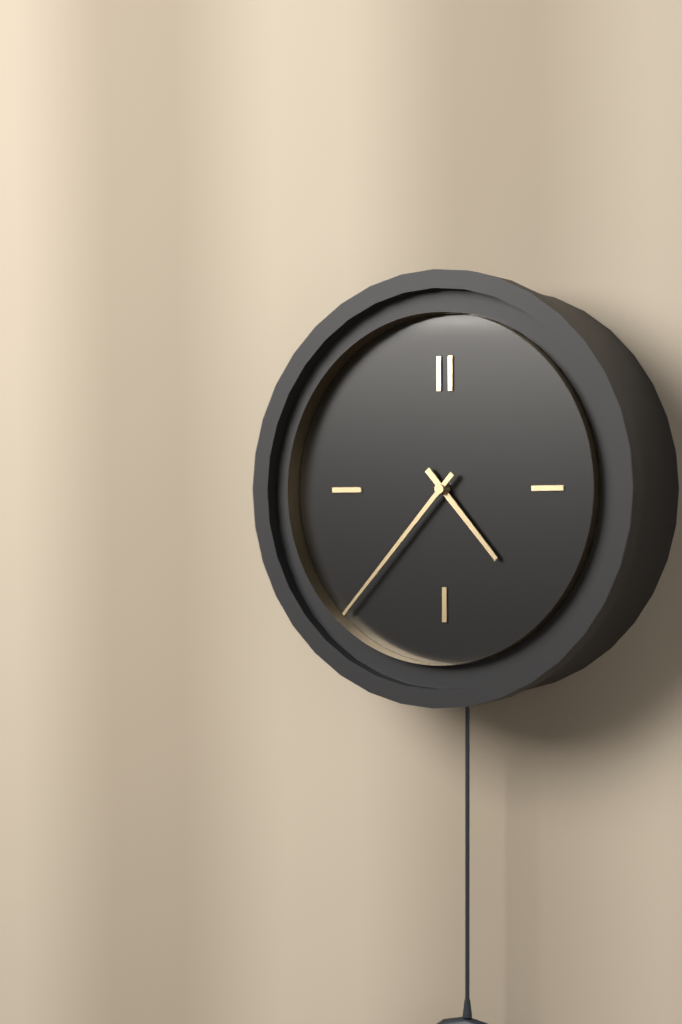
**4:37**
